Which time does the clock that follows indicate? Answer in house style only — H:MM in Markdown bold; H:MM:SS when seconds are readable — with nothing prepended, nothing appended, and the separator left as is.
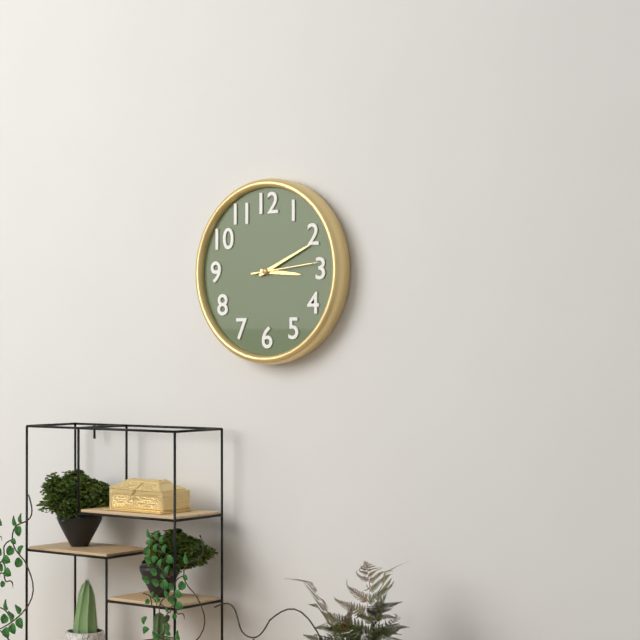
**3:11:14**
